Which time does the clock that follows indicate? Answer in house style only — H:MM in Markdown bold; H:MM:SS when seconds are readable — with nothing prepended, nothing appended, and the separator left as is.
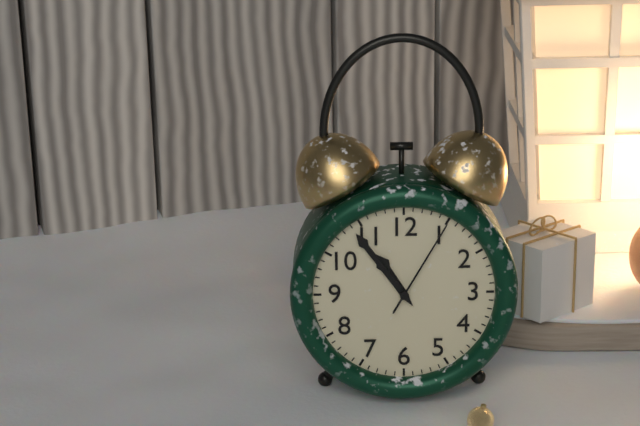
**10:54:05**
